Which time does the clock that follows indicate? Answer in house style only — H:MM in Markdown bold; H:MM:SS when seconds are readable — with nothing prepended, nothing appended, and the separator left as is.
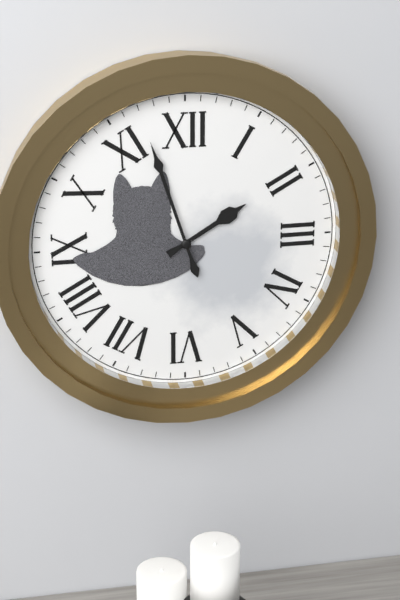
**1:57**
